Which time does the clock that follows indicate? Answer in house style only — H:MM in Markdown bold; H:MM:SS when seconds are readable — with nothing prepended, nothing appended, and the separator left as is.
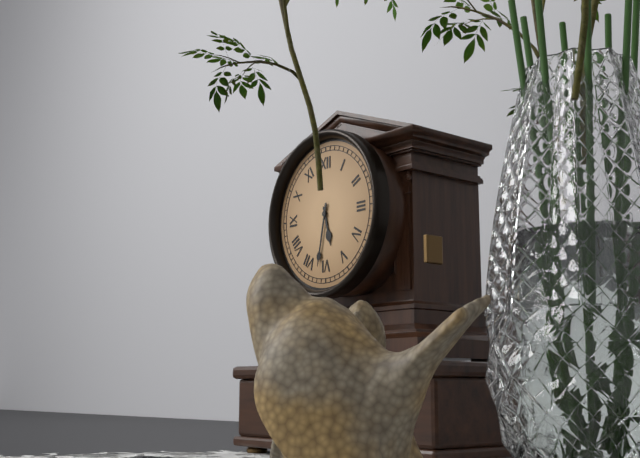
**5:32**
